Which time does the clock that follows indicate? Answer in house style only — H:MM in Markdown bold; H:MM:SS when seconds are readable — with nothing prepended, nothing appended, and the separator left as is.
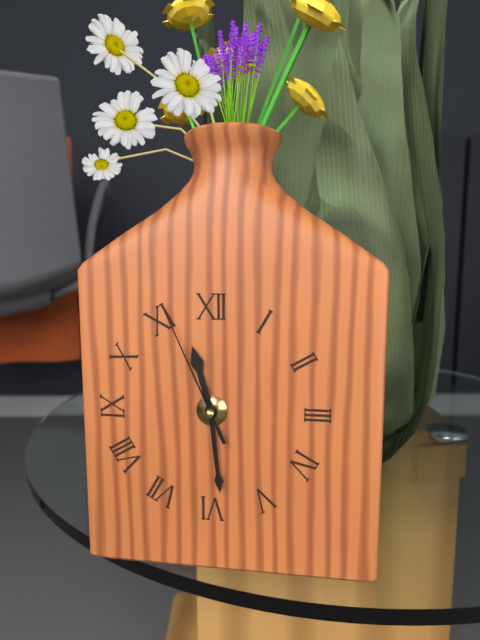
**11:29:56**
